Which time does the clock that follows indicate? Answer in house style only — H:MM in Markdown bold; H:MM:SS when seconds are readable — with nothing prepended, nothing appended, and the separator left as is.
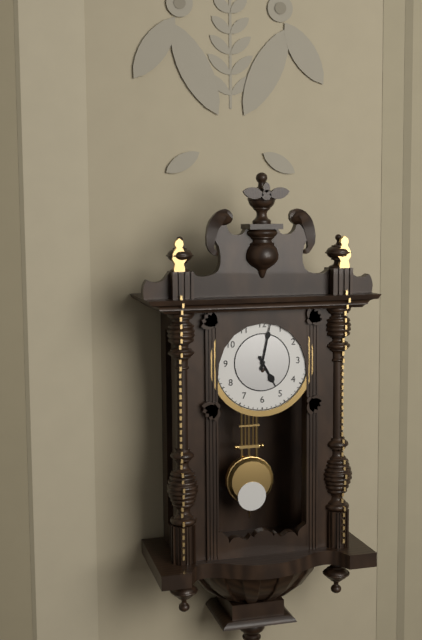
**5:02**
